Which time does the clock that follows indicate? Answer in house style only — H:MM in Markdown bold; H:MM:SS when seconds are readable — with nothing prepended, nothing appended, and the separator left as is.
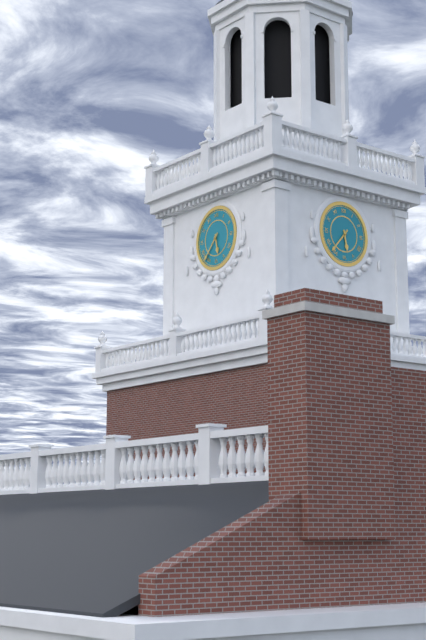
**5:37**
